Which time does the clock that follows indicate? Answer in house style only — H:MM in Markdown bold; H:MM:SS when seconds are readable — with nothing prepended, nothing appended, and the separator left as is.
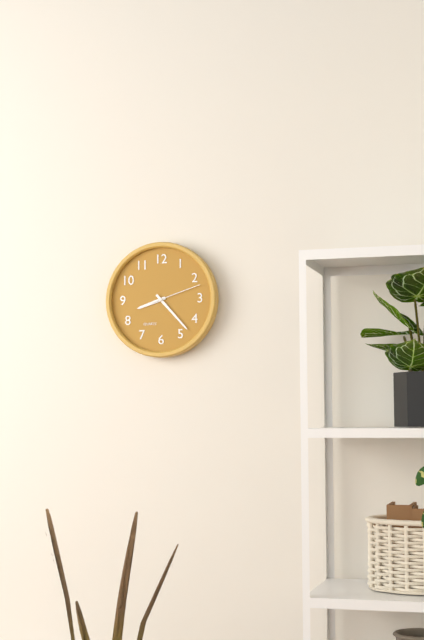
**8:23:12**
